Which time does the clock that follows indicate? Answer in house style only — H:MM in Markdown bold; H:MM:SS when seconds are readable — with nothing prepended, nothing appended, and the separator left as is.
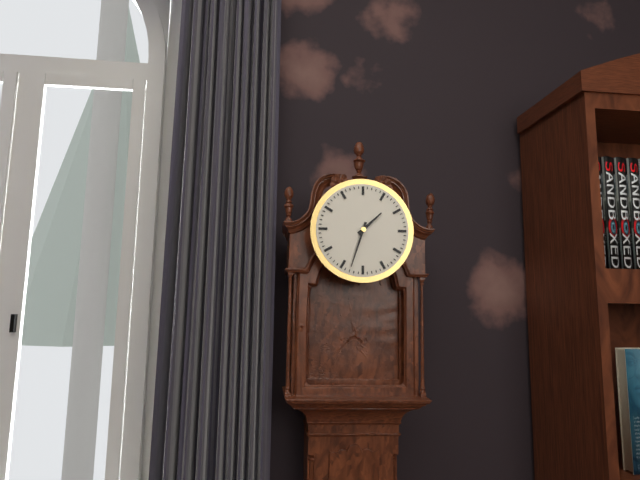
**1:33**
